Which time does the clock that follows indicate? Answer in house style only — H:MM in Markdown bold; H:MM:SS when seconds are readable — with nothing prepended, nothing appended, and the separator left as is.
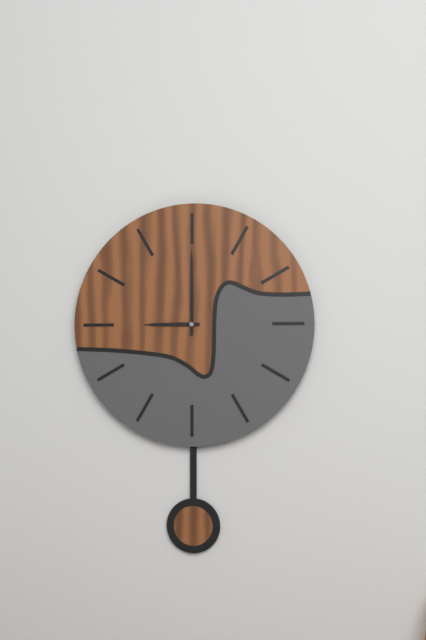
**9:00**
